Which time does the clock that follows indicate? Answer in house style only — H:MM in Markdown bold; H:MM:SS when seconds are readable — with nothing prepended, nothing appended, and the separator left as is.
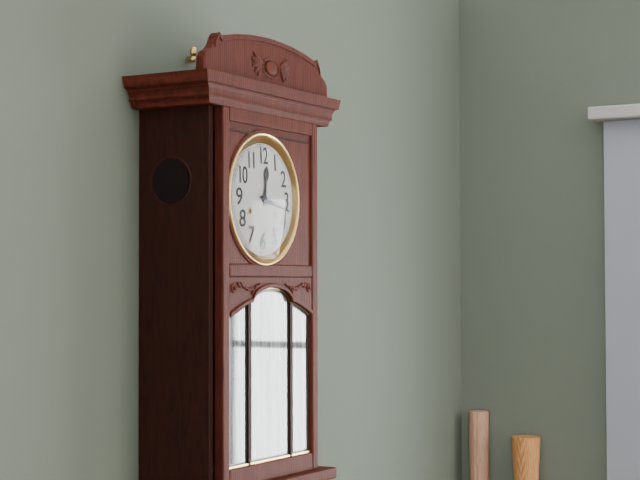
**12:17**
